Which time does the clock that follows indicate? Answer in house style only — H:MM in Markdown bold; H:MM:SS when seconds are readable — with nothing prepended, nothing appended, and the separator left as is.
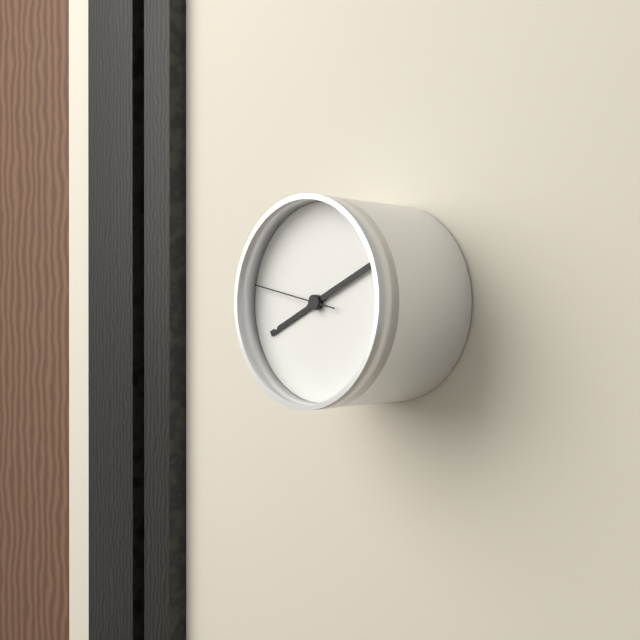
**8:11:47**
